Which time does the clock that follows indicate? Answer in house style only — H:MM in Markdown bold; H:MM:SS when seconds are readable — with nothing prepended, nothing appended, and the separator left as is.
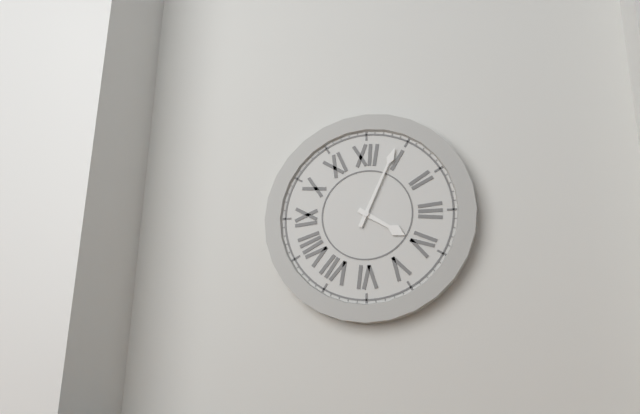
**4:04**
